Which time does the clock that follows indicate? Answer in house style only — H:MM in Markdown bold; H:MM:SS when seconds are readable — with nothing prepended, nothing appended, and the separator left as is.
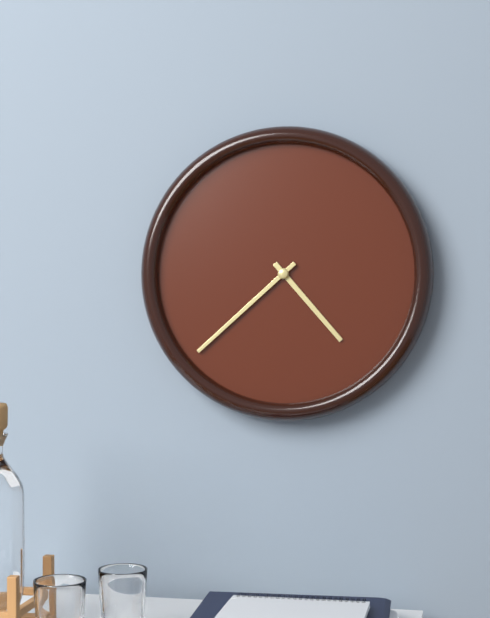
**4:38**
